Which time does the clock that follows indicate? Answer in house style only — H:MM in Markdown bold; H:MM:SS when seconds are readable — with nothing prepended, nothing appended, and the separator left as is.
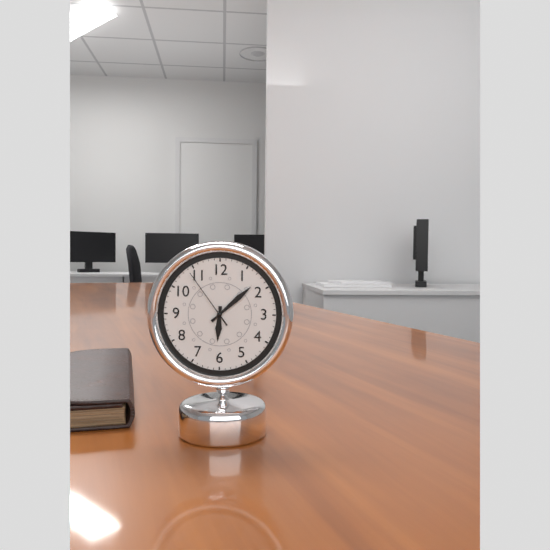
**6:08:54**
